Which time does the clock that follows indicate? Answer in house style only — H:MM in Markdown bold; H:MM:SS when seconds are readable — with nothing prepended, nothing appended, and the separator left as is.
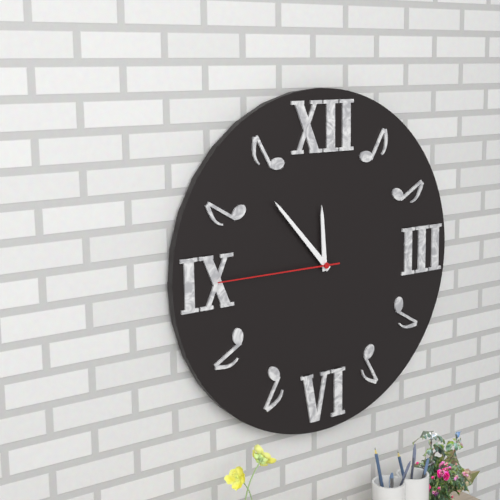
**11:53:45**
